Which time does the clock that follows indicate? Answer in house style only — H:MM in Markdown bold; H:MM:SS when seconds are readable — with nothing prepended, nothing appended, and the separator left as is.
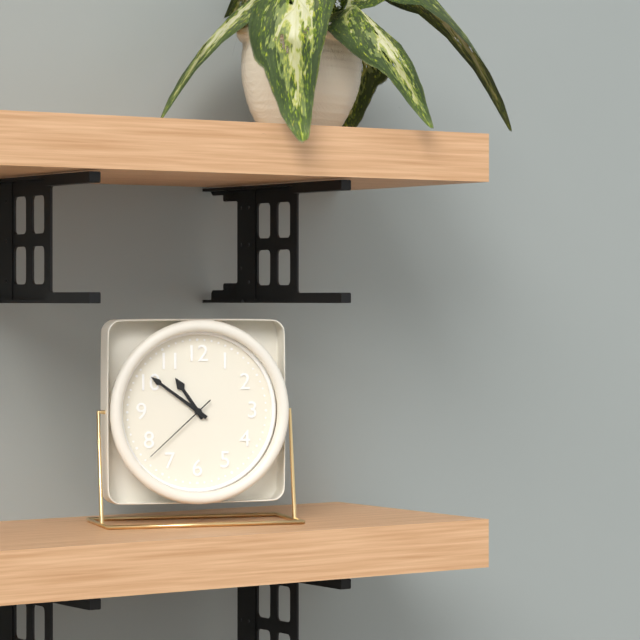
**10:51:38**
